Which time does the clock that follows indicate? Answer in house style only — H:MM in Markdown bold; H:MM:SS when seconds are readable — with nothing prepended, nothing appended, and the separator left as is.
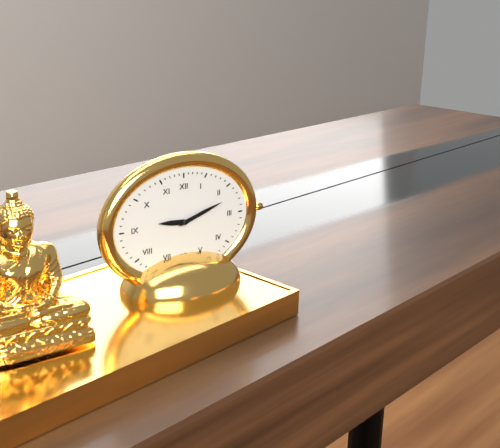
**9:12**
